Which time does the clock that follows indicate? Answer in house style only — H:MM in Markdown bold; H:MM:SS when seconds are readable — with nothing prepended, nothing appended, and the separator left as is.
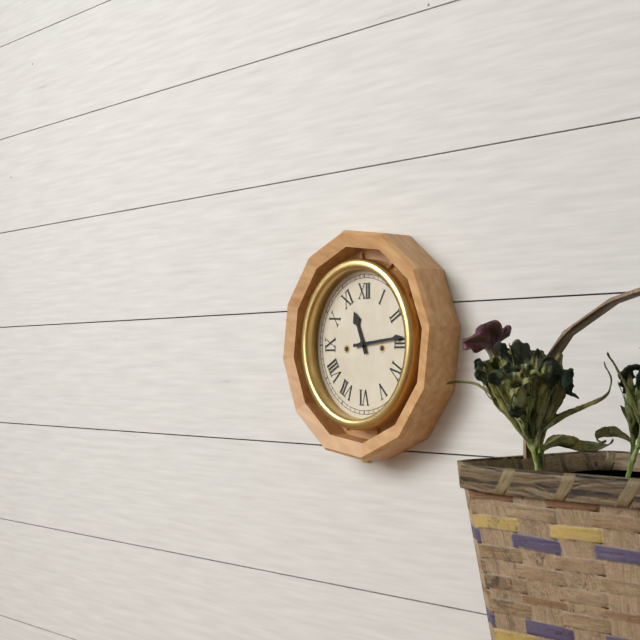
**11:14**
